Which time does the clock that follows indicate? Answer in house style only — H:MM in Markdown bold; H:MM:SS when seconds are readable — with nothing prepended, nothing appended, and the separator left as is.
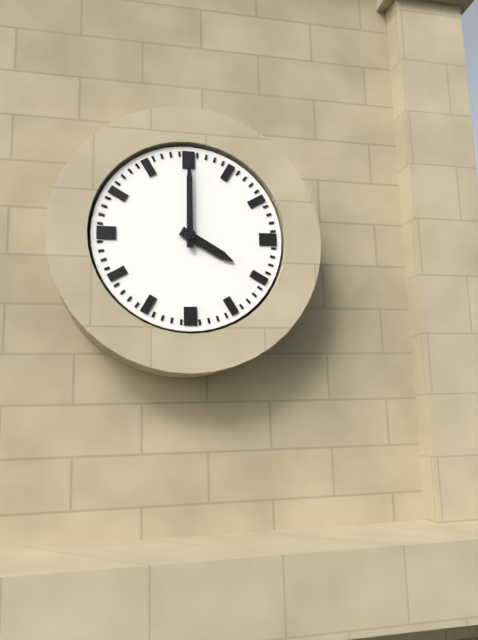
**4:00**
